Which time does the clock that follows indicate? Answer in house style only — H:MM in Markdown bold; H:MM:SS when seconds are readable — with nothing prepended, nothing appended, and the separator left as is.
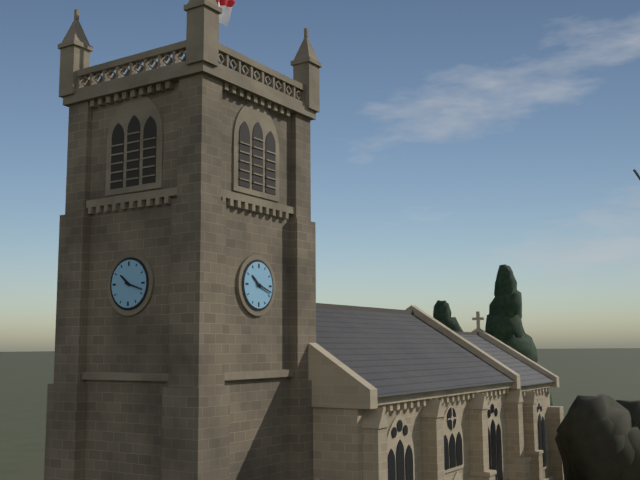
**10:18**
